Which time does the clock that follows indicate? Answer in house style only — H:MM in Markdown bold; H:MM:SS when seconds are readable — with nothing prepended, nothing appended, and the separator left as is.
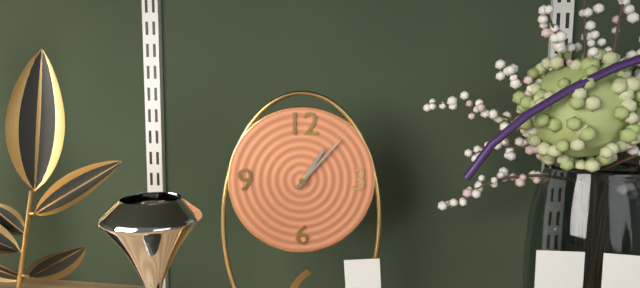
**1:07**
